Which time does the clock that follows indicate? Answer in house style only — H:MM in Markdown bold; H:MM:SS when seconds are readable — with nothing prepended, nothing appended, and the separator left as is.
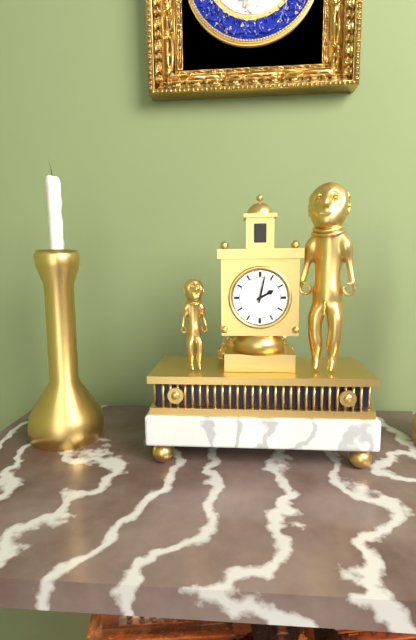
**2:02**
